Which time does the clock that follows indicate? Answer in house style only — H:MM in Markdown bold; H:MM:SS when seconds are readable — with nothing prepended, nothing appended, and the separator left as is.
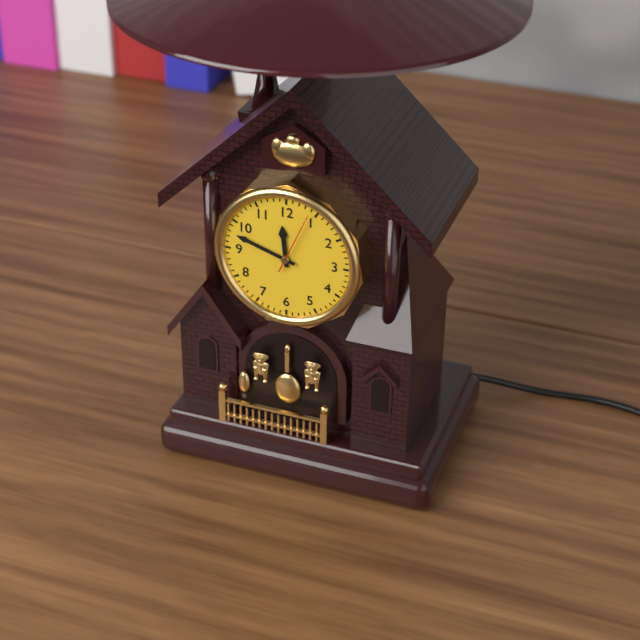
**11:48:04**
